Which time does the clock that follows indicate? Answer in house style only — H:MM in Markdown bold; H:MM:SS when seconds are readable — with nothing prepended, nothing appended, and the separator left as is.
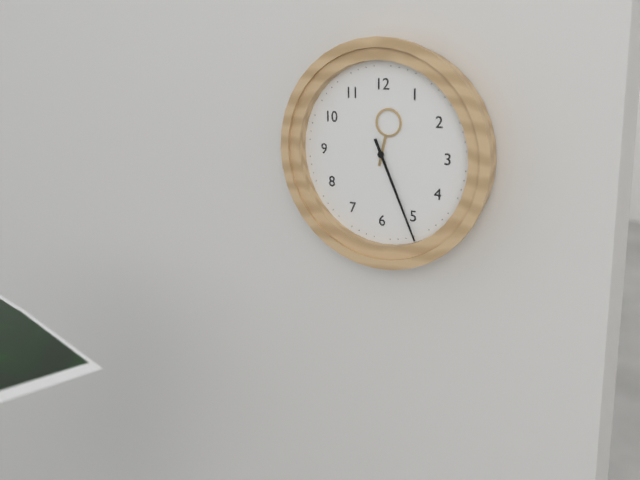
**12:26**
